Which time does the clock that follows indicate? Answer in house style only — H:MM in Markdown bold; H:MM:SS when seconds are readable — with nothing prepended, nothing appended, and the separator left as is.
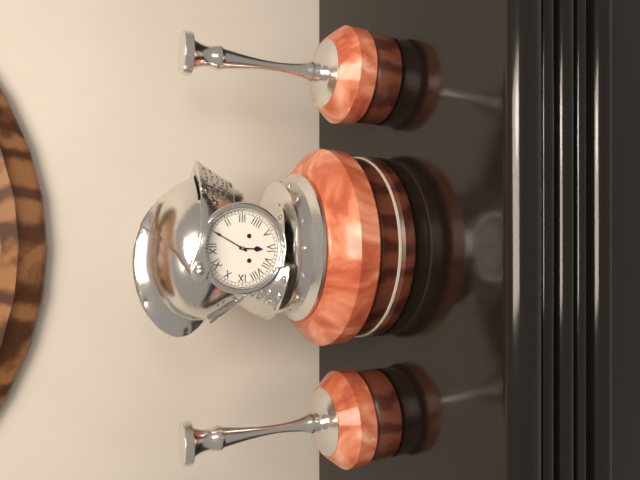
**6:05**
